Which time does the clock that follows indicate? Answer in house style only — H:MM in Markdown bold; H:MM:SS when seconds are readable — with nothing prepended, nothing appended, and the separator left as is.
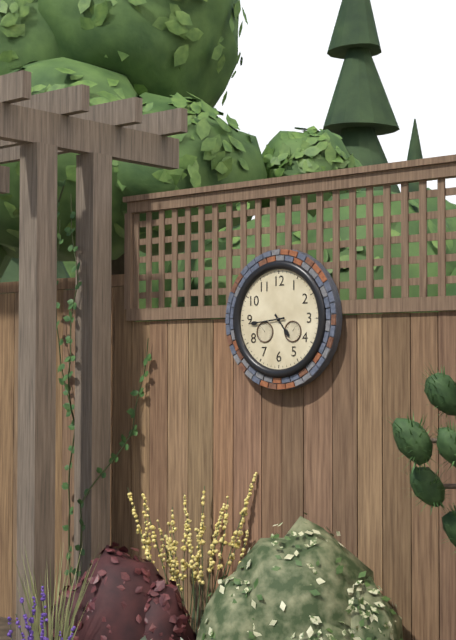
**4:44**
